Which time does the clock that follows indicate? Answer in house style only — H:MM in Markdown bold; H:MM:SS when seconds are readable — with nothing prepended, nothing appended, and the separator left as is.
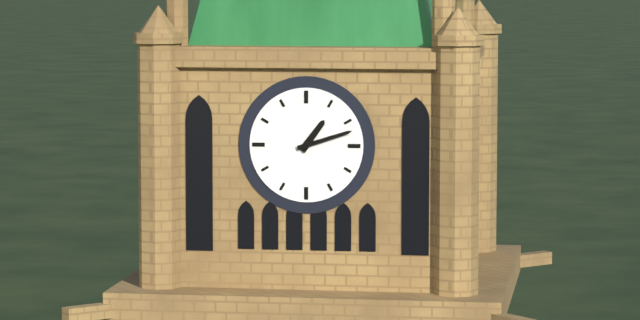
**1:12**
